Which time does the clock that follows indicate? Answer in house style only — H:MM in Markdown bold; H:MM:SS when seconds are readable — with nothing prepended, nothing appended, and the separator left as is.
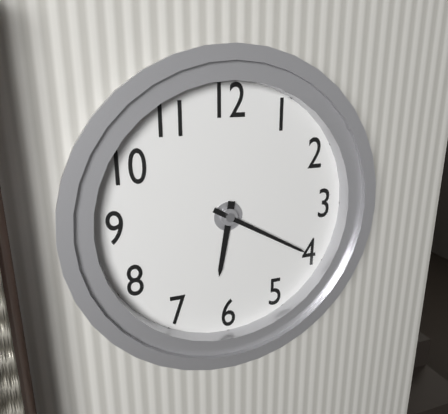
**6:20**
